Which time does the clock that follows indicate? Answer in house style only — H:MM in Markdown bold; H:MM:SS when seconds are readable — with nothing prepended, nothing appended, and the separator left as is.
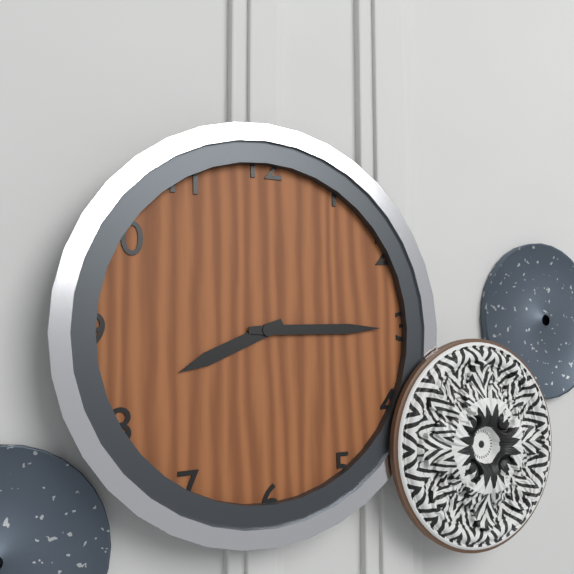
**8:15**
